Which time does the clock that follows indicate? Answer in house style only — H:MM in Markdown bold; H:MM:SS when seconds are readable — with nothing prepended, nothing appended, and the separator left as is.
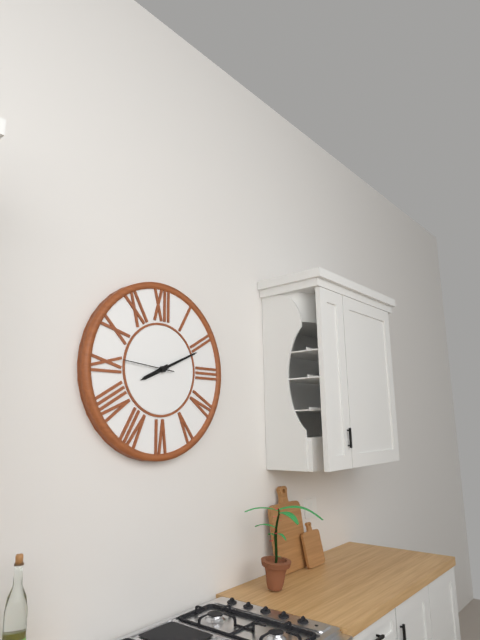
**8:11**
